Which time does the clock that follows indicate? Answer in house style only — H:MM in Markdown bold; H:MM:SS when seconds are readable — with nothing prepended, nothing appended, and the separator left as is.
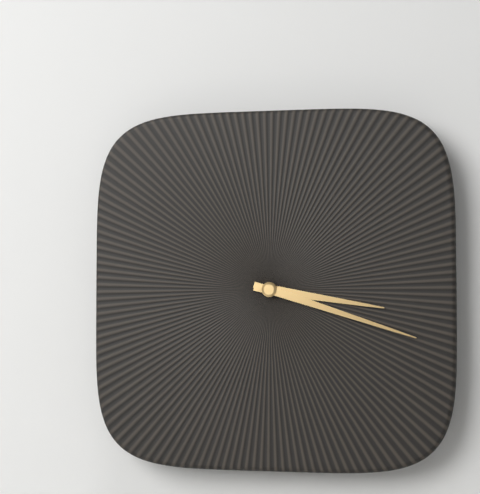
**3:18**
